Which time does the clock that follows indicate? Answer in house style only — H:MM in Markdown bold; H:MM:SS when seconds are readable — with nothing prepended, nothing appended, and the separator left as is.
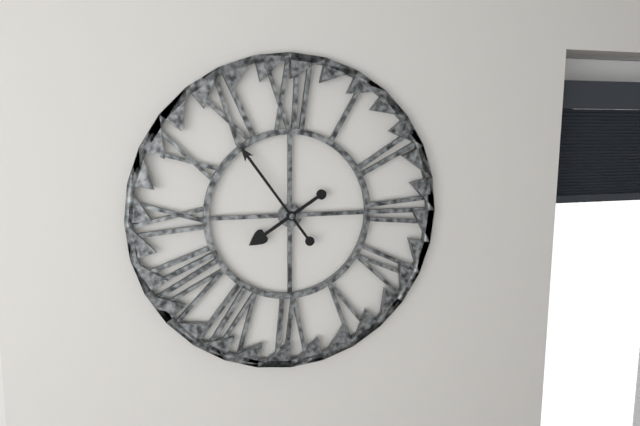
**7:54**
